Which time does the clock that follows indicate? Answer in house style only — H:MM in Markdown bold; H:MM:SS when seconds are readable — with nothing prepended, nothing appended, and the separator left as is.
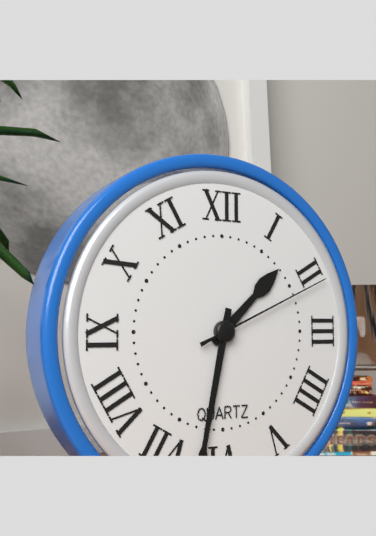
**1:32:11**
